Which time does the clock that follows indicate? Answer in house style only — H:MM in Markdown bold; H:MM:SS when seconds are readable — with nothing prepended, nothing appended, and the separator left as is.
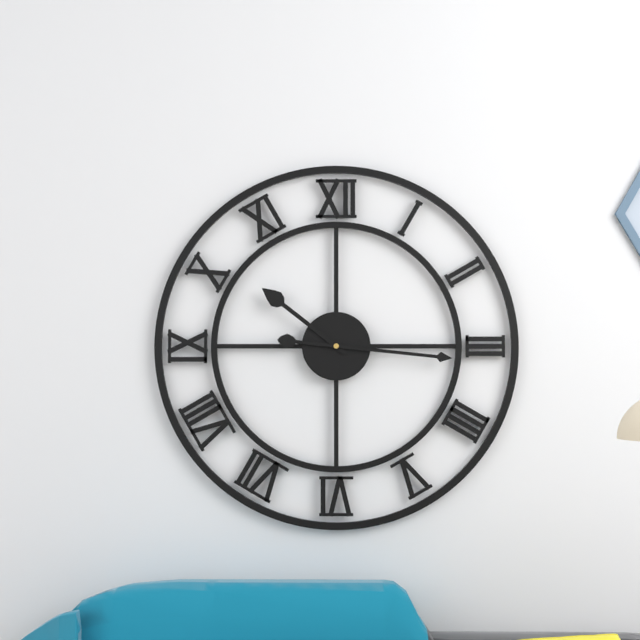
**10:16**
